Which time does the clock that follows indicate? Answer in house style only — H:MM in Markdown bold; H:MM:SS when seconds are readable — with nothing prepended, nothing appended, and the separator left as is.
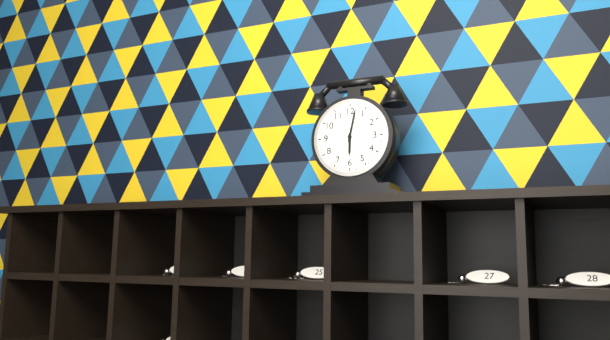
**6:02**
